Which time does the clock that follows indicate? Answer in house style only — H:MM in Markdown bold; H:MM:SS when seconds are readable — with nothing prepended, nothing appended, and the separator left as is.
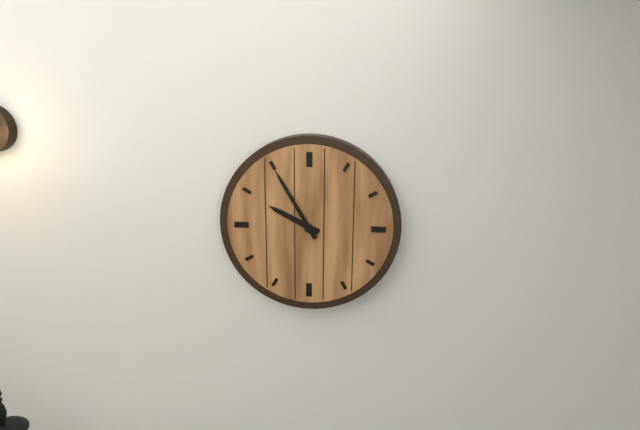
**9:55**
